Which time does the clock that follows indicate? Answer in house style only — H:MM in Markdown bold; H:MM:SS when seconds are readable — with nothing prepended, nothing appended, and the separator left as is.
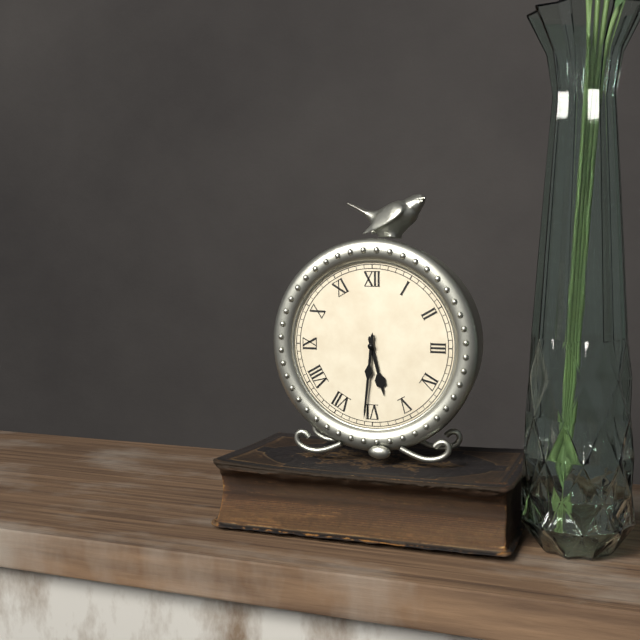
**5:31**
